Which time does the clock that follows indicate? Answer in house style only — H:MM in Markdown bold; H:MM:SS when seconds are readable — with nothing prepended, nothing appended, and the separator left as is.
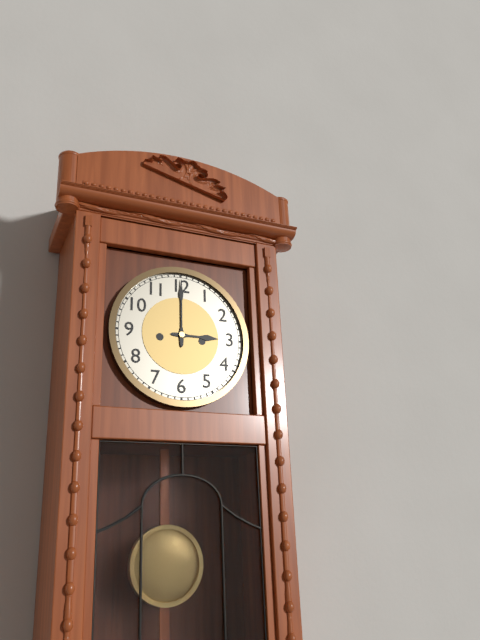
**3:00**
